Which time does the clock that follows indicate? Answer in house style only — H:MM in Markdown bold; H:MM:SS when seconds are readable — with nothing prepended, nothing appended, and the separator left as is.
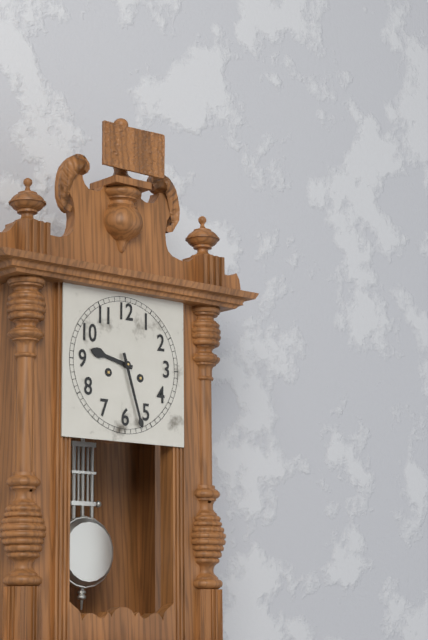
**9:27**
